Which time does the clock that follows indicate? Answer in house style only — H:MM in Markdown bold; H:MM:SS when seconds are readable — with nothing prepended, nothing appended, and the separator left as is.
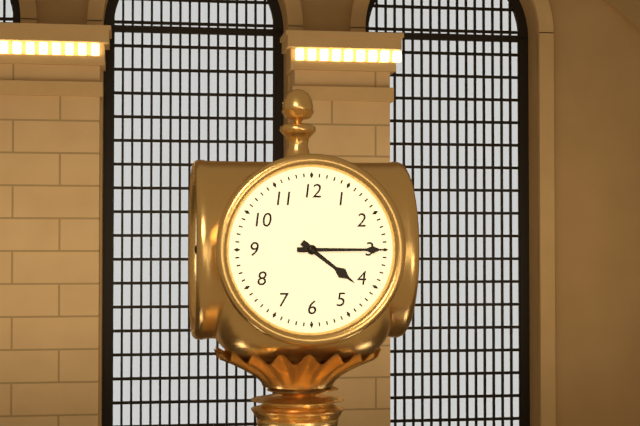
**4:15**
